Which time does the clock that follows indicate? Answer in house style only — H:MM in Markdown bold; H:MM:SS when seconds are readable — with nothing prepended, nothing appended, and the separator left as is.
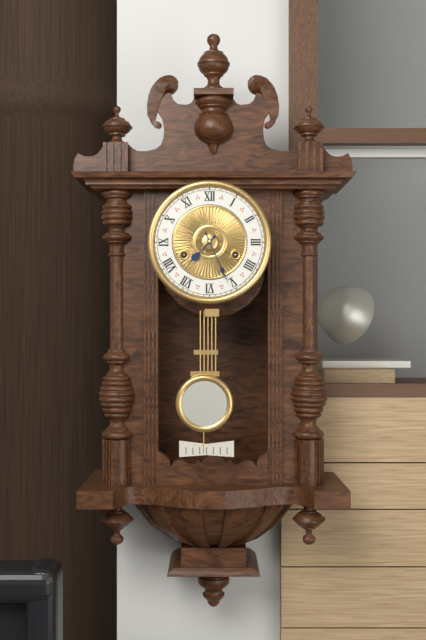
**7:26**
